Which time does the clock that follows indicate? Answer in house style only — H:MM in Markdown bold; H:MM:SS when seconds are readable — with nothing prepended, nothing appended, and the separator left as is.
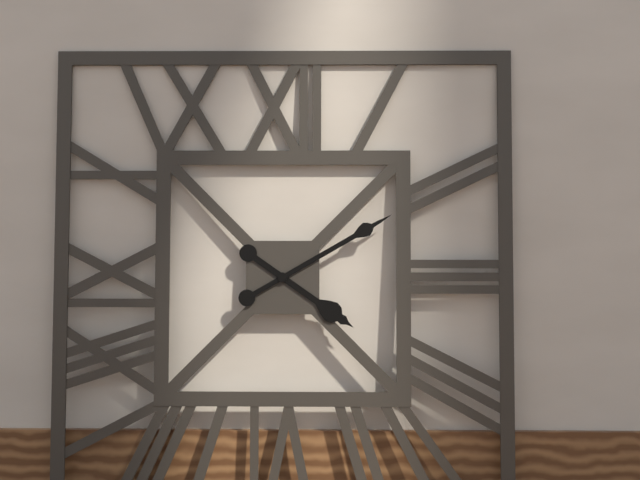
**4:10**
